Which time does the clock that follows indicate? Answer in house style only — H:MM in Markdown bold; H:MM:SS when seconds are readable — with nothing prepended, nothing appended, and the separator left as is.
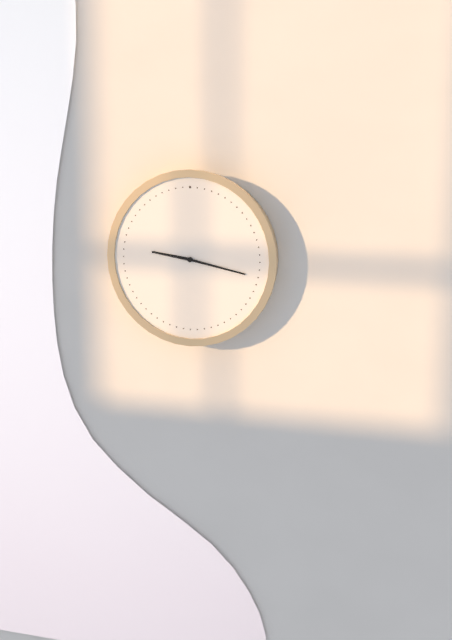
**9:17**
